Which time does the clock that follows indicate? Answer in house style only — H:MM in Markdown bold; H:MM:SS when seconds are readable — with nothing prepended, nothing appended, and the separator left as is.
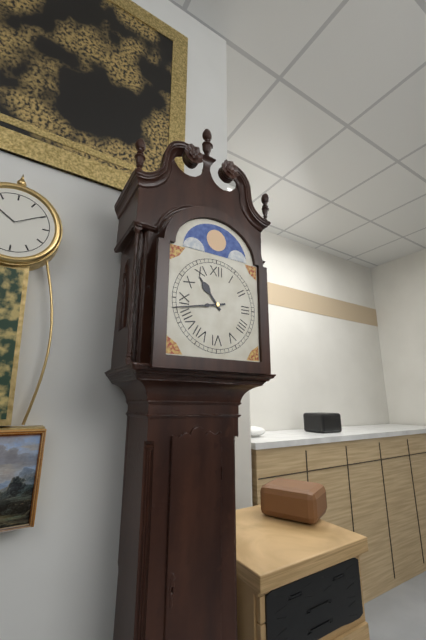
**10:43**
